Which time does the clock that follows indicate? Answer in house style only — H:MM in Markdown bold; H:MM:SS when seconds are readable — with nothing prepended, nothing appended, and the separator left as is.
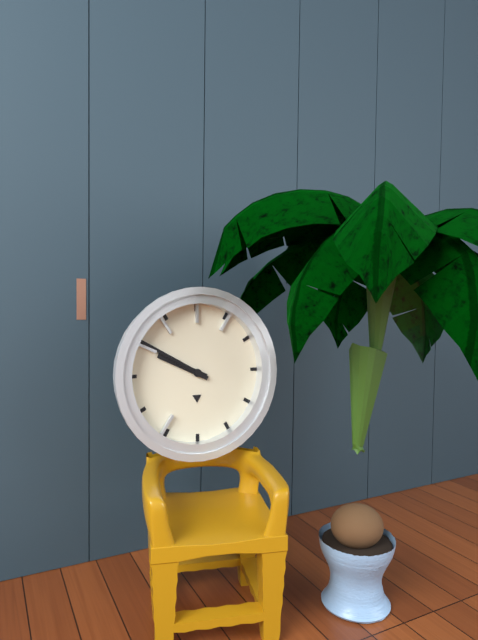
**9:50**
